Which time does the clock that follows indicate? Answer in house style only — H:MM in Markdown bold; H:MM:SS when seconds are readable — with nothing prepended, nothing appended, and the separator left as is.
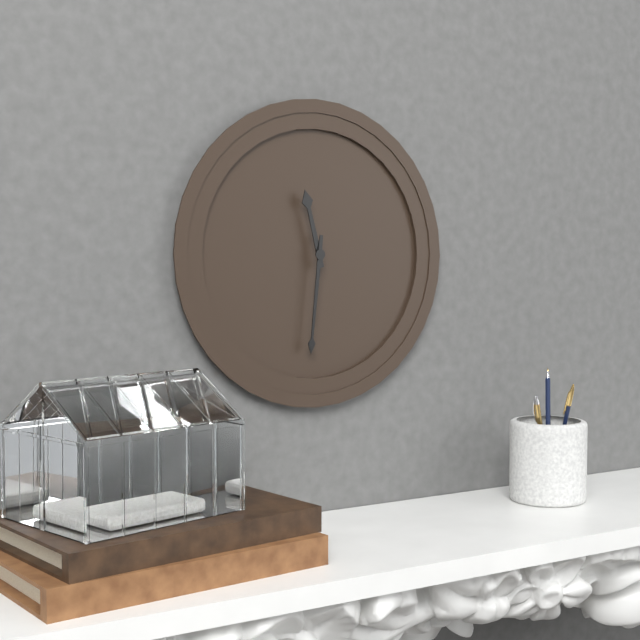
**11:31**
